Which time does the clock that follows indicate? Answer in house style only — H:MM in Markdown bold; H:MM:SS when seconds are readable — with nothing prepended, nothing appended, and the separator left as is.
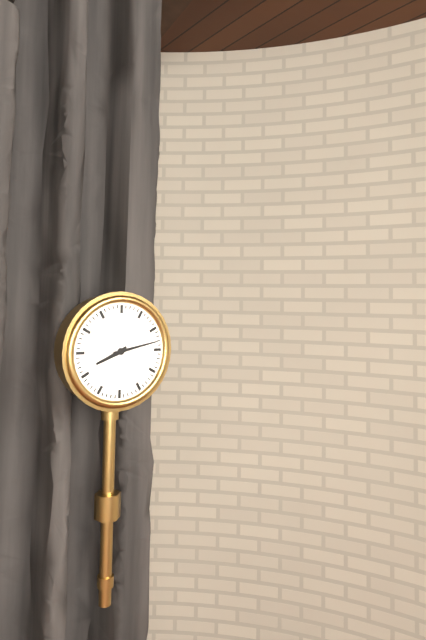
**8:13**
